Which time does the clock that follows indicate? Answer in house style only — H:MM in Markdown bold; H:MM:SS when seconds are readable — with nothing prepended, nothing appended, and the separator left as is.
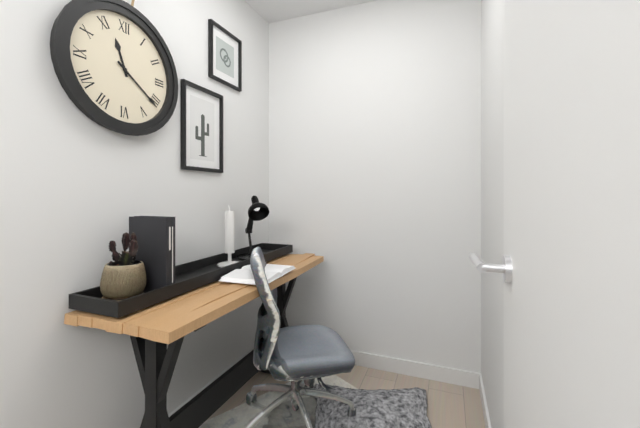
**11:21**
